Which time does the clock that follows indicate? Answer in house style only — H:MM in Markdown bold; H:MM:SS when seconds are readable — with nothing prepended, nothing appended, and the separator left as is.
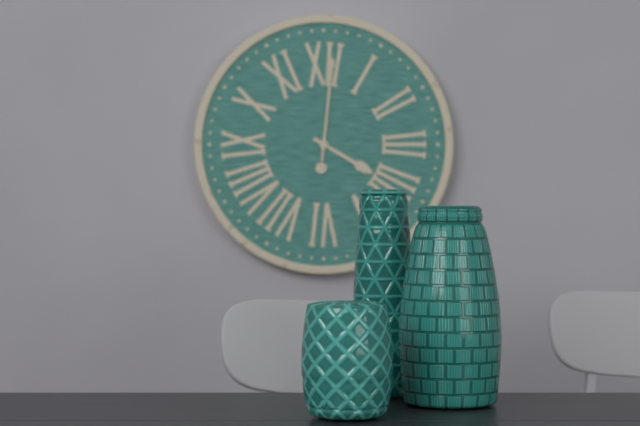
**4:01**
